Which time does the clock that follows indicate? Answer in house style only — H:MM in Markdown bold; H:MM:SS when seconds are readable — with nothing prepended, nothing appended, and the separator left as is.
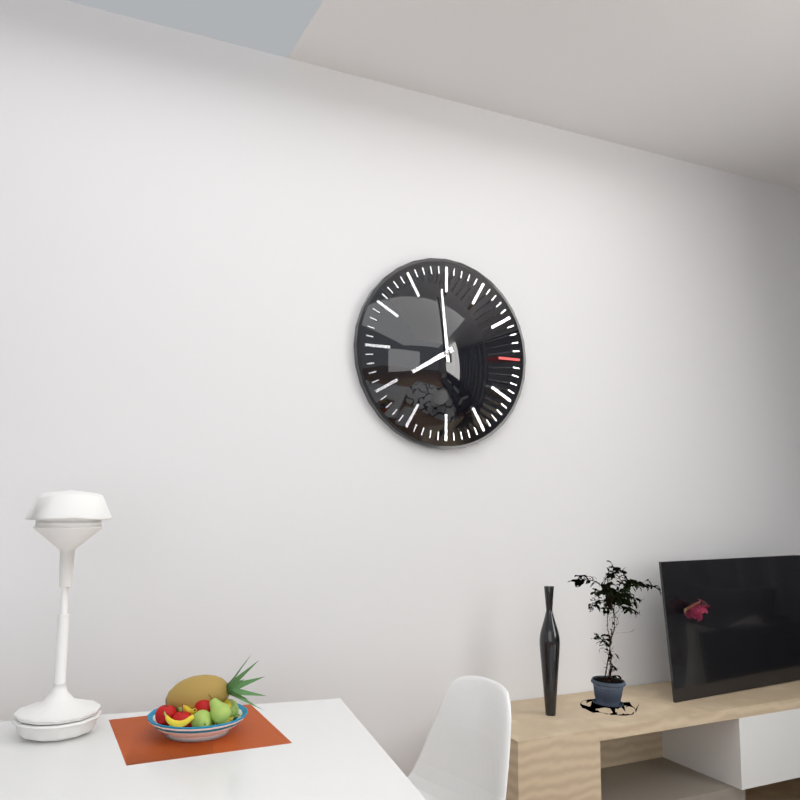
**7:59**
